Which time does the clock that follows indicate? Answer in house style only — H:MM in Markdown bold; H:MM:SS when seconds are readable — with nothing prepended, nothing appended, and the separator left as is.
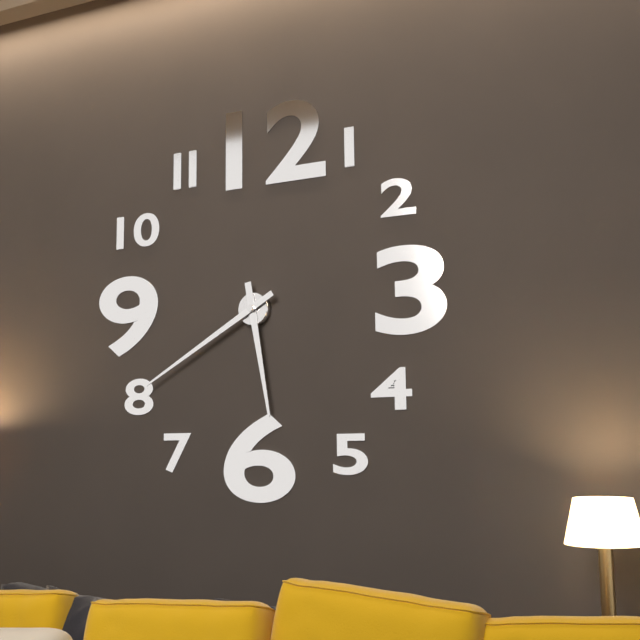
**5:40**
